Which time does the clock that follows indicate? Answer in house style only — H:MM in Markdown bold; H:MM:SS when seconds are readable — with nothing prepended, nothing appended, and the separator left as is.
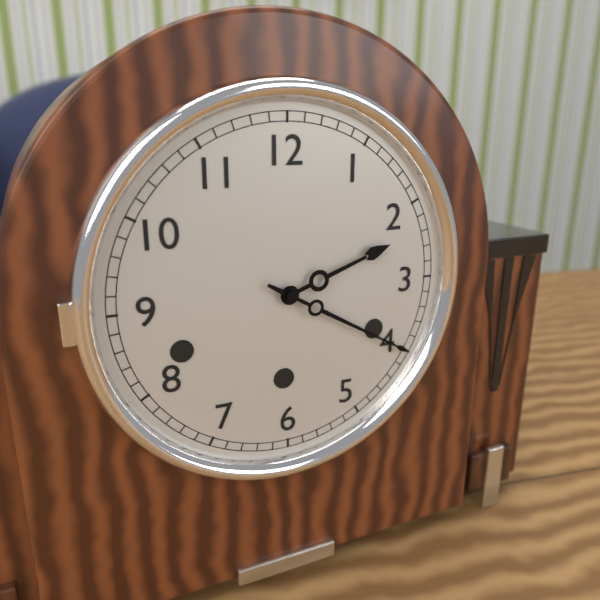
**2:20**
